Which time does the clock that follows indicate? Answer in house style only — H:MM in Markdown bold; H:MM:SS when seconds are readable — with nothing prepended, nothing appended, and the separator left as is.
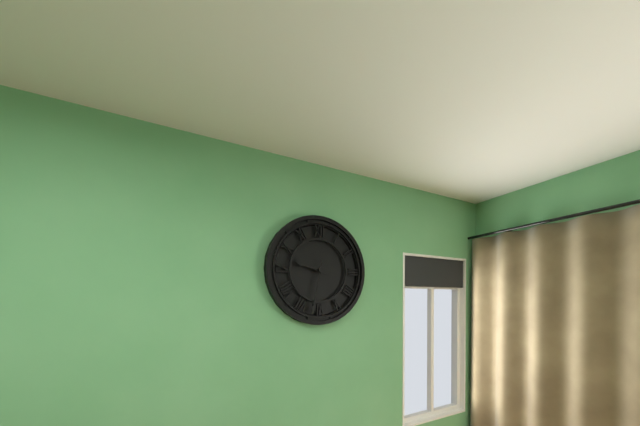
**9:32**
